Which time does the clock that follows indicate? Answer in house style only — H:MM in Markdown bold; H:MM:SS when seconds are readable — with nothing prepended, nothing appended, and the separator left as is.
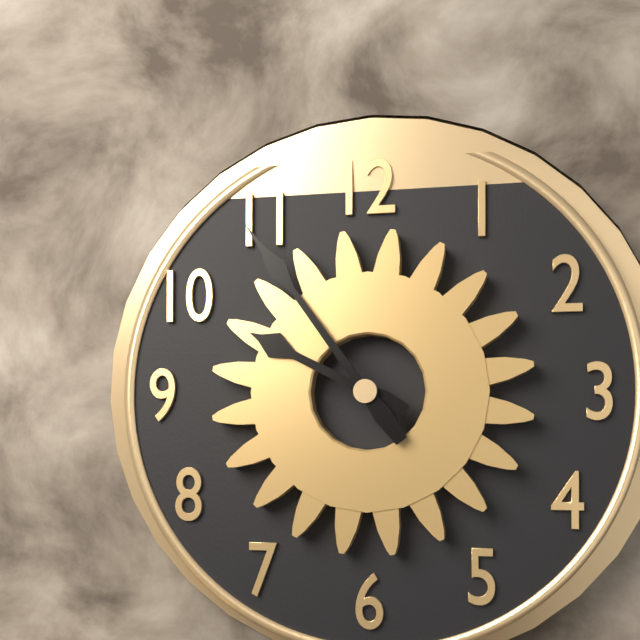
**9:54**
